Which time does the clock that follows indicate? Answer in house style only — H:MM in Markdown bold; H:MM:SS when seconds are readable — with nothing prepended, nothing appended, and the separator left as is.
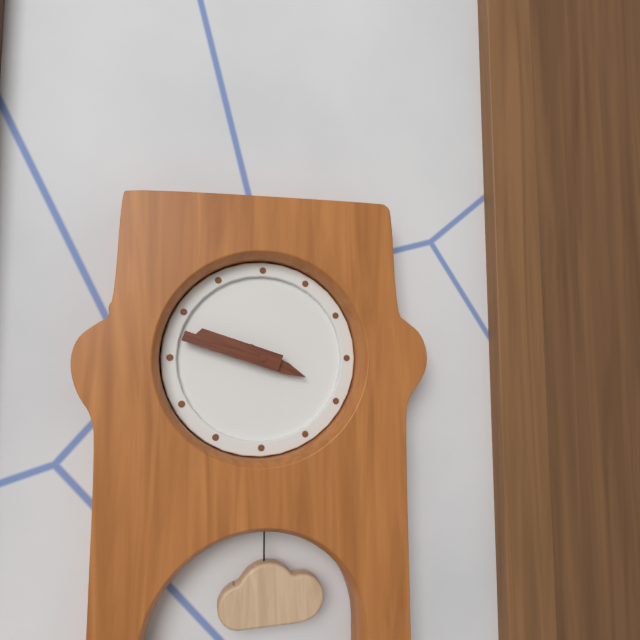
**3:48**
